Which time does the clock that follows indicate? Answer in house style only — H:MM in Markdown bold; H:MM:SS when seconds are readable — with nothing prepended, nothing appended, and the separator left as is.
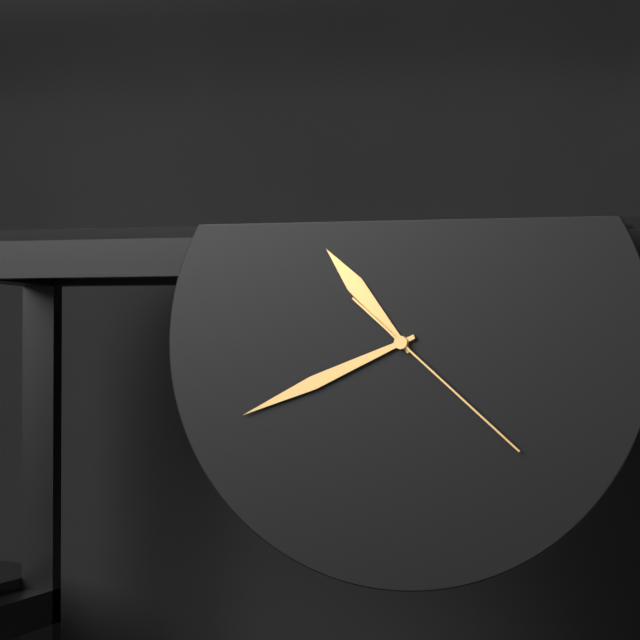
**10:41:22**
